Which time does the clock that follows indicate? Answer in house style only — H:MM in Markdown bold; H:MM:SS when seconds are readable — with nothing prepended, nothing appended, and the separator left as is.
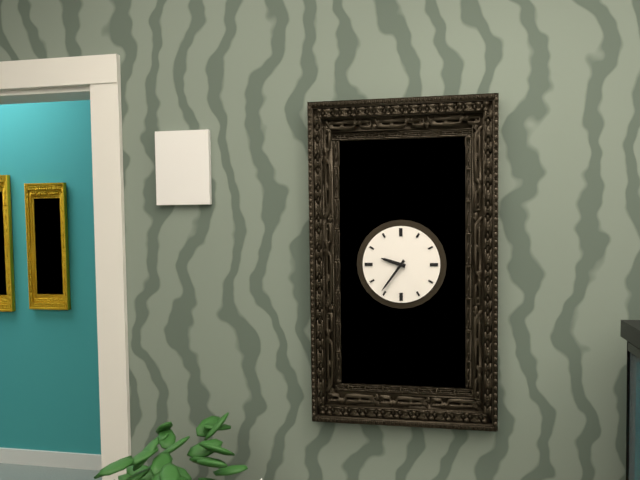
**9:36**
